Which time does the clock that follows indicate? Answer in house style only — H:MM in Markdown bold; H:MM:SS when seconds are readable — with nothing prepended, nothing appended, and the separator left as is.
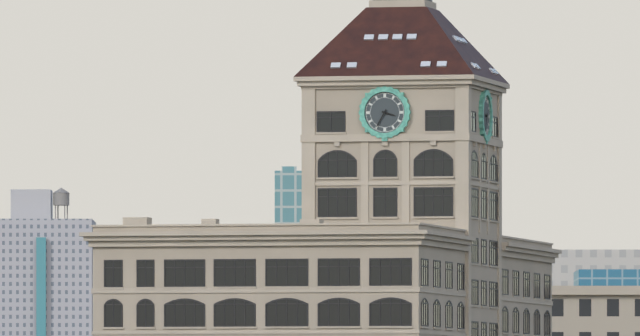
**3:35**
